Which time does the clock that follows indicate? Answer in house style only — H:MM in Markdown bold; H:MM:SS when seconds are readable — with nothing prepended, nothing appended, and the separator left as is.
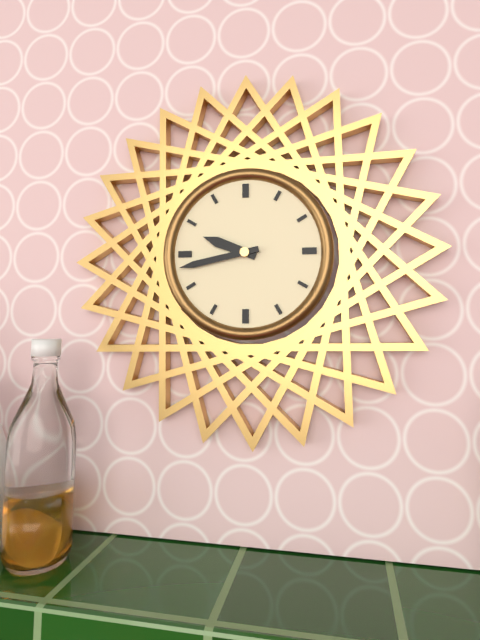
**9:43**
